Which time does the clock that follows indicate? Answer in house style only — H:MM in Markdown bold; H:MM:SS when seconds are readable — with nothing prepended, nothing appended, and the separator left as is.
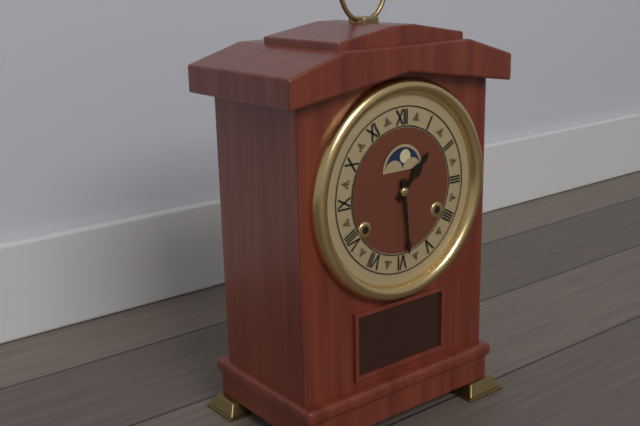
**1:29**
